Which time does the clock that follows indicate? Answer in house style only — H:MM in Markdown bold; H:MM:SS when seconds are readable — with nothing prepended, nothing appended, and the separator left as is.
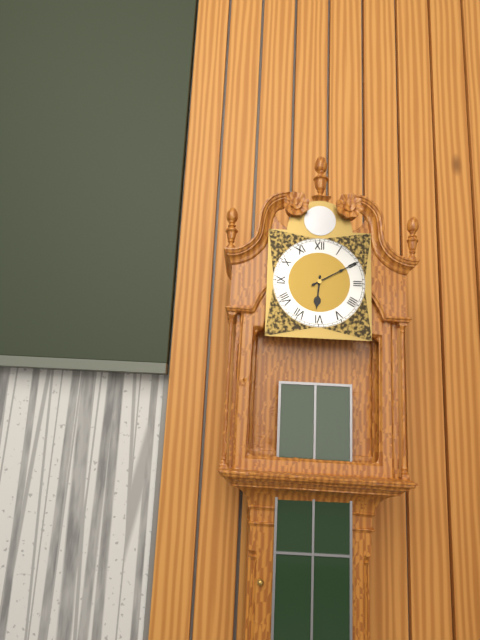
**6:10**
